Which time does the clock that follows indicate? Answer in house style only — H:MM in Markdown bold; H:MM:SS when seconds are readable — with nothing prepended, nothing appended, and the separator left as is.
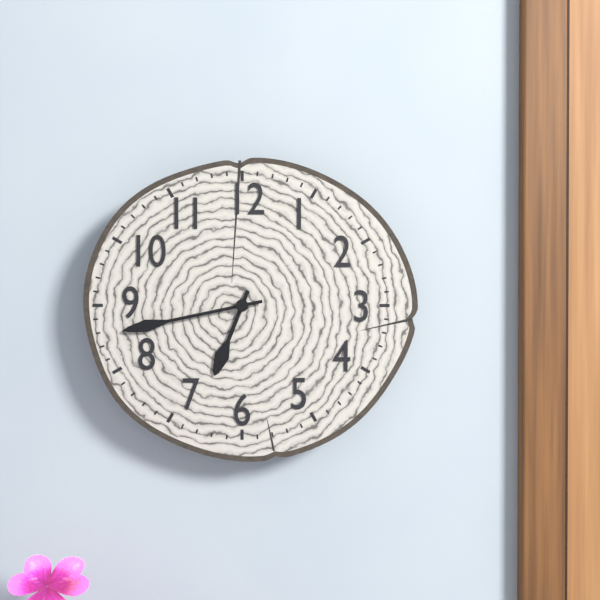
**6:43**
